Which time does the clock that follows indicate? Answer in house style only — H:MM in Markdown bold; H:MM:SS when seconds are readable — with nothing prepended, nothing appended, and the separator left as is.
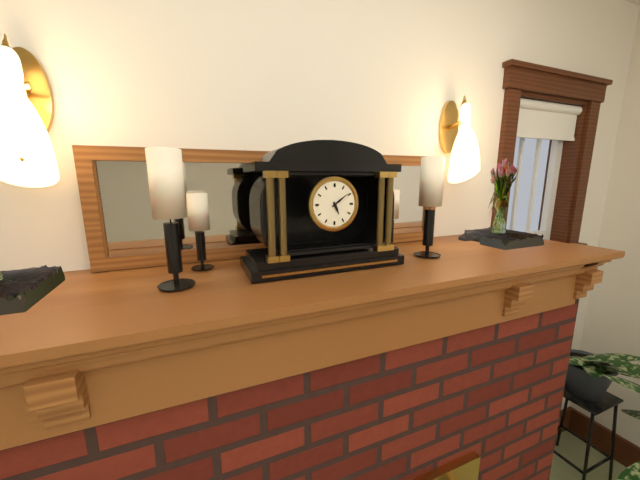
**5:09**
